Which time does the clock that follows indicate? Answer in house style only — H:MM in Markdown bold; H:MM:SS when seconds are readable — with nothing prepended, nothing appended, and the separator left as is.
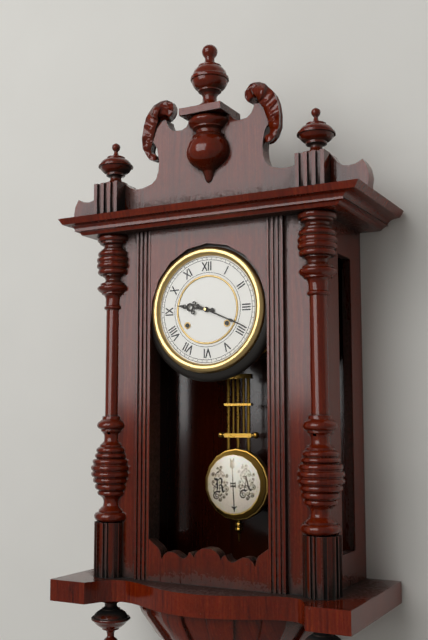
**9:19**
